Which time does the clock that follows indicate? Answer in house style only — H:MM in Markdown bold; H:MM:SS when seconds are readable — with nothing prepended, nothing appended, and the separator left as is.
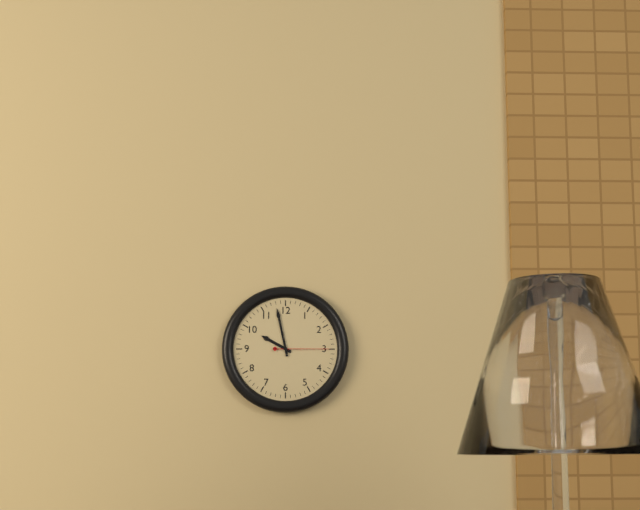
**9:58:15**
